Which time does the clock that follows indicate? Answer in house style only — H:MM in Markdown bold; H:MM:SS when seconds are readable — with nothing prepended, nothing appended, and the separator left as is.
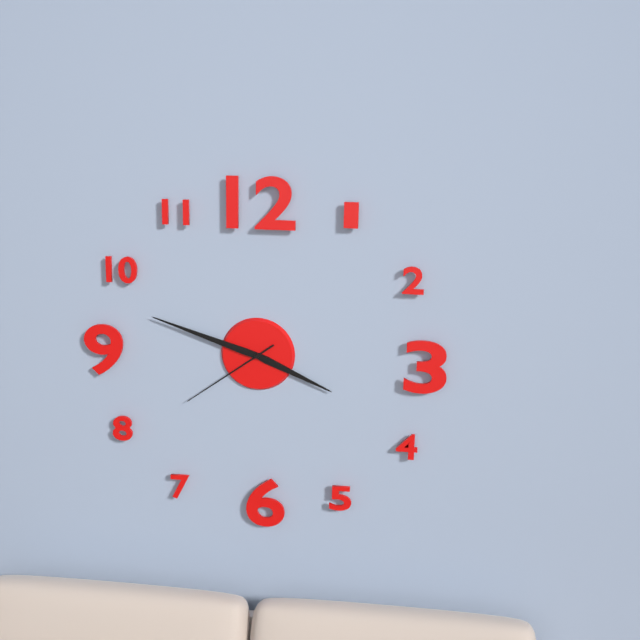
**3:48:39**
